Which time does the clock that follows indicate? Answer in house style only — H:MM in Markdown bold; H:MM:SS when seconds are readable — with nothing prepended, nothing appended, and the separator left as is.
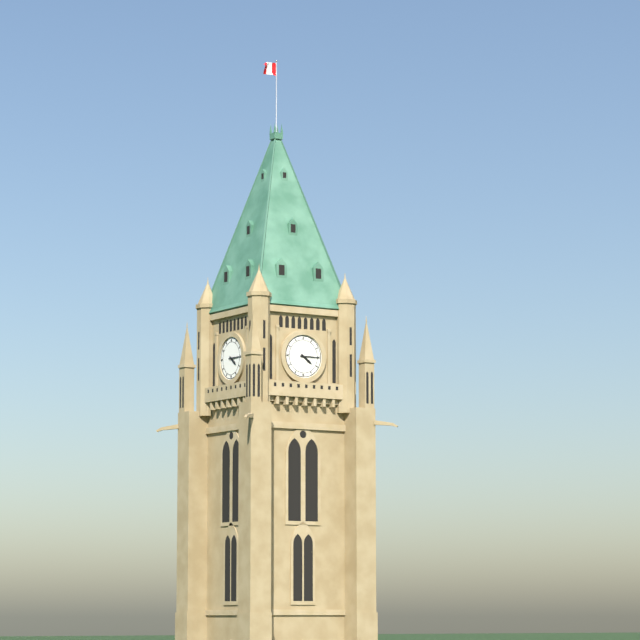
**4:15**
